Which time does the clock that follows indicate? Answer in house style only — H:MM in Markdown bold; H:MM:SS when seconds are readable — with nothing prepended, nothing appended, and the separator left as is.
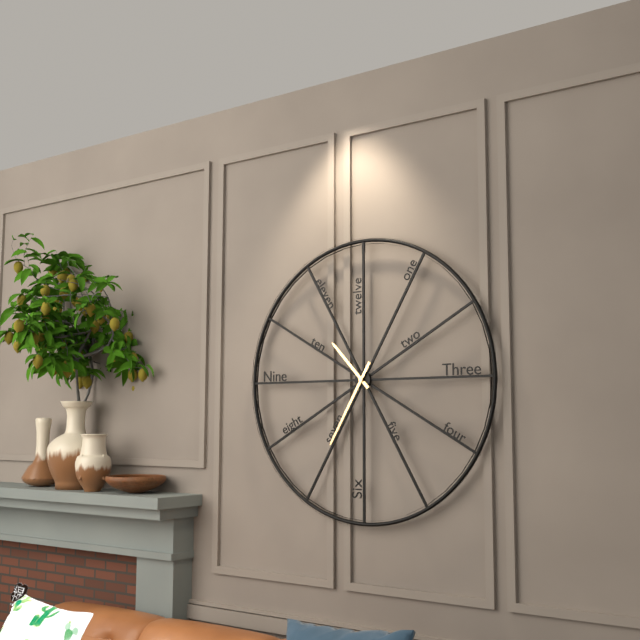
**10:35**
